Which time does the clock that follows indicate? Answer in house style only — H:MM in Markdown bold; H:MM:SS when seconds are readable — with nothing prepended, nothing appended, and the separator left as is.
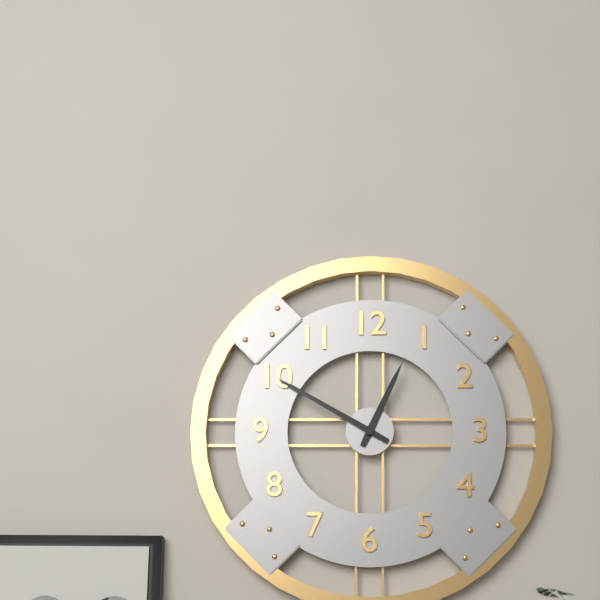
**12:50**
